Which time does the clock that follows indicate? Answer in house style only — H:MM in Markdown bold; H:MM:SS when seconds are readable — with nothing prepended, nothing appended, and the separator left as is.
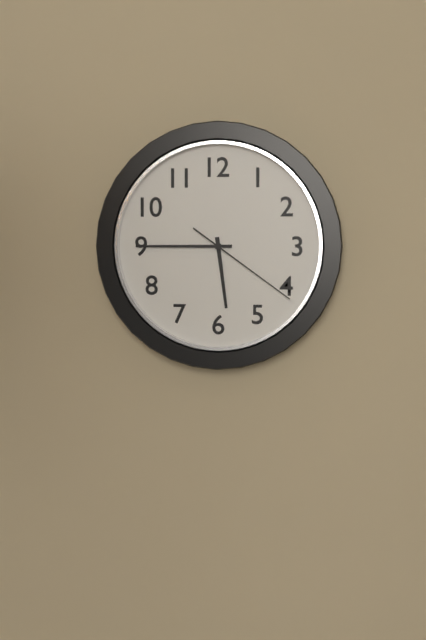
**5:45:21**
